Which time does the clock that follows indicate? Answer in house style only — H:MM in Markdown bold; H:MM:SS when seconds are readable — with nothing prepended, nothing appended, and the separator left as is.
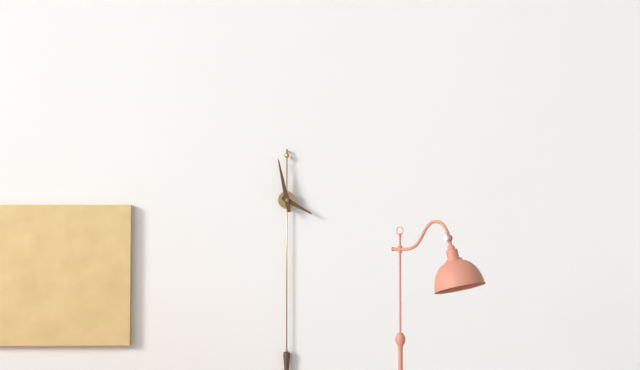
**3:58**
